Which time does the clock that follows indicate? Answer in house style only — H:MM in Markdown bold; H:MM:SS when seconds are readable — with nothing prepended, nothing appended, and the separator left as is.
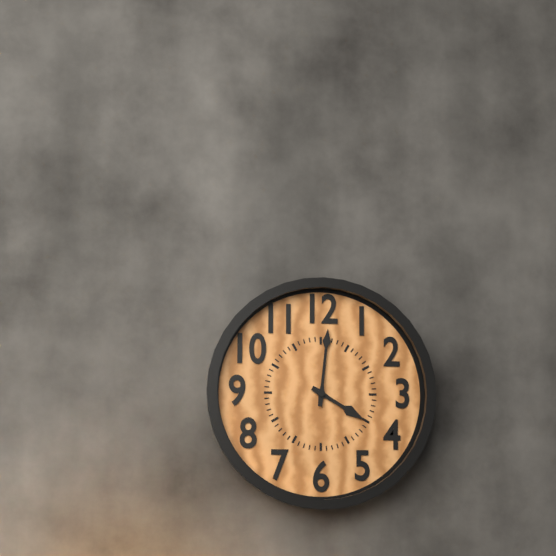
**4:01**
